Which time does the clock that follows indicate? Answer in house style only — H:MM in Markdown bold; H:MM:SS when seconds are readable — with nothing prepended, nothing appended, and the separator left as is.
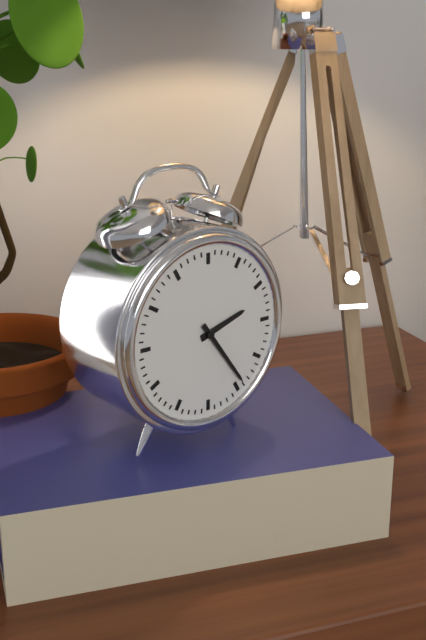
**2:24**
